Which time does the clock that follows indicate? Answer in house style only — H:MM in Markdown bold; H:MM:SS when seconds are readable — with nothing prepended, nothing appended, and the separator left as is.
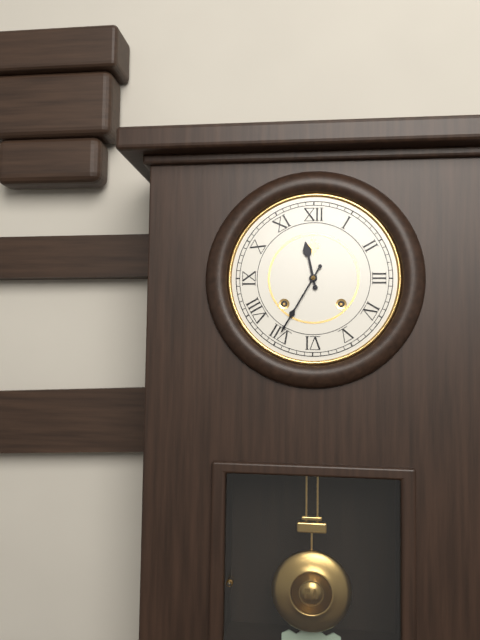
**11:35**
